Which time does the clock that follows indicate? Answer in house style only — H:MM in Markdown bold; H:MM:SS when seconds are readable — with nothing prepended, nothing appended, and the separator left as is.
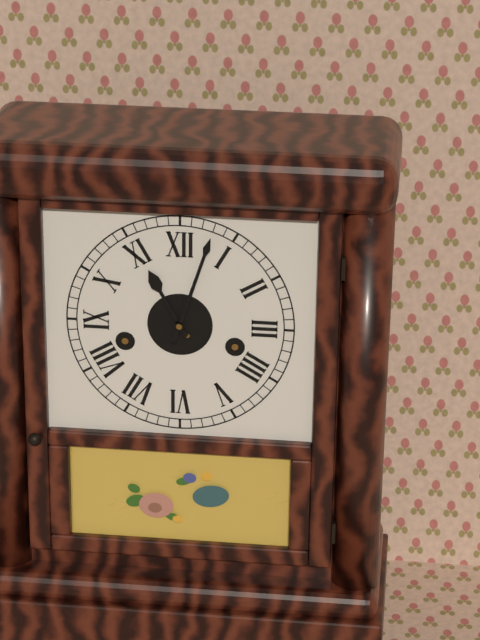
**11:03**
